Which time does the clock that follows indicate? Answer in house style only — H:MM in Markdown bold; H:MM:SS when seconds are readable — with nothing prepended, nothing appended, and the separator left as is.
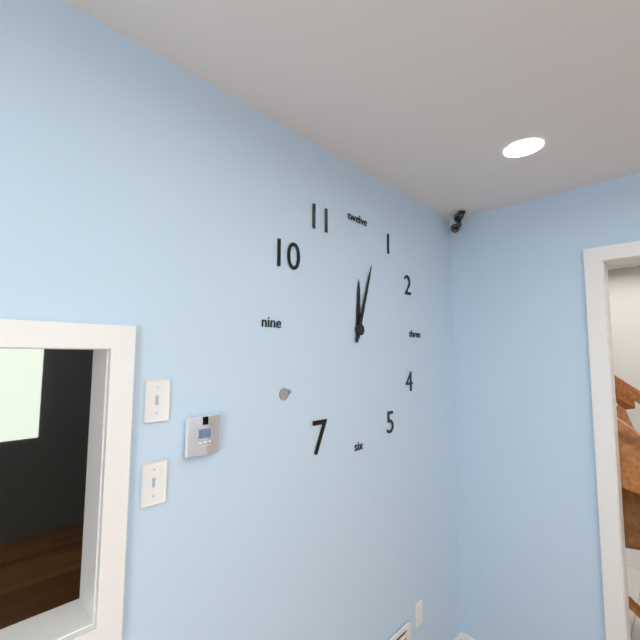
**12:03**
